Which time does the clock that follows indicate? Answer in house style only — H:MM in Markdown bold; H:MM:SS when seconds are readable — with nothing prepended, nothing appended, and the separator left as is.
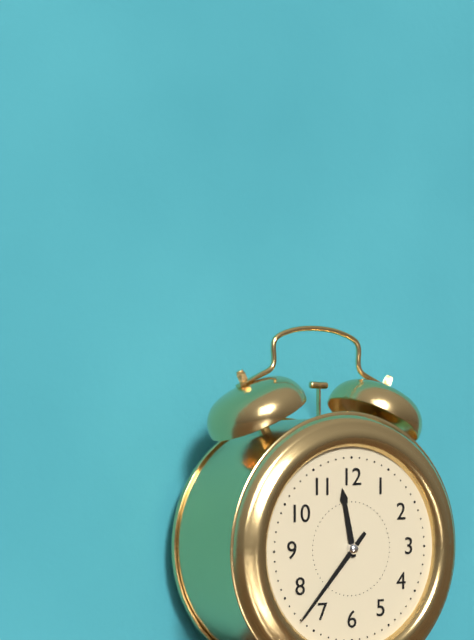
**11:37**
